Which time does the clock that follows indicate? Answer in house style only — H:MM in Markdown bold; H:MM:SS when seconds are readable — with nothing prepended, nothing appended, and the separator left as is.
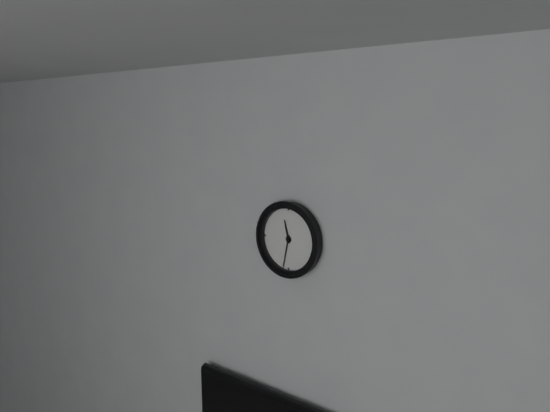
**11:32**
